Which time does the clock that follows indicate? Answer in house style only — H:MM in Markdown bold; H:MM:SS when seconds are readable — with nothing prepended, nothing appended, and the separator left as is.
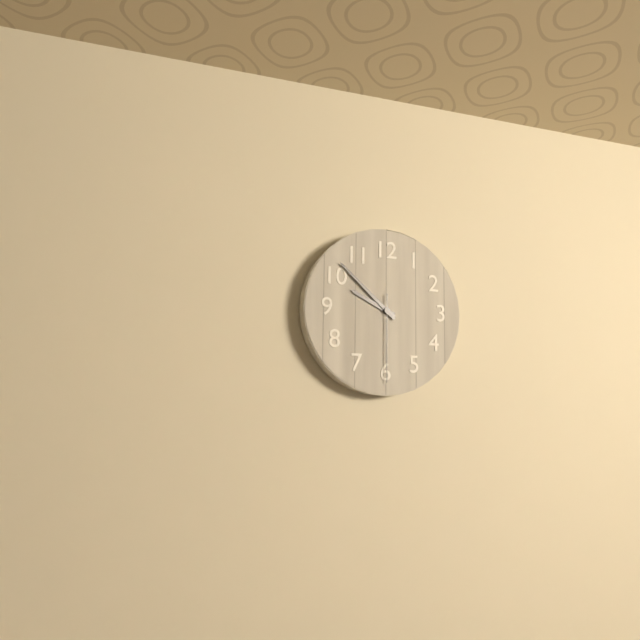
**9:52:30**
